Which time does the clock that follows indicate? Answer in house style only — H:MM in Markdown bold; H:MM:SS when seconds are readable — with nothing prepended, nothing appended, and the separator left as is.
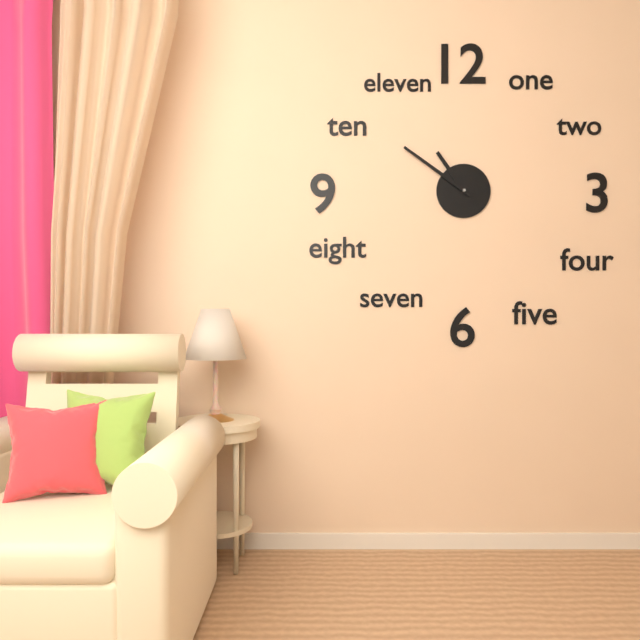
**10:51**
